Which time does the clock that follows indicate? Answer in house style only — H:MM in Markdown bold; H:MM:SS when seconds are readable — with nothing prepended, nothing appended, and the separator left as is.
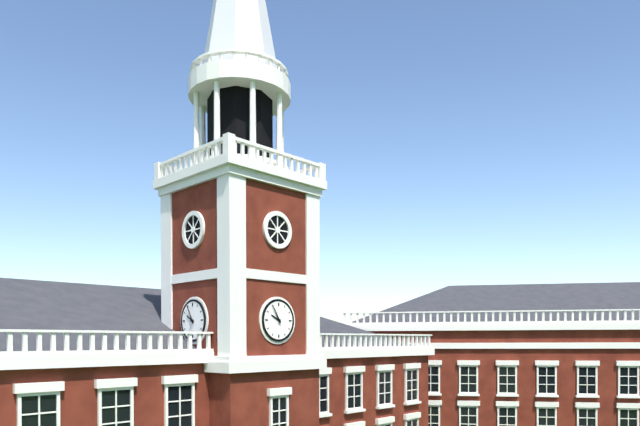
**9:55**
